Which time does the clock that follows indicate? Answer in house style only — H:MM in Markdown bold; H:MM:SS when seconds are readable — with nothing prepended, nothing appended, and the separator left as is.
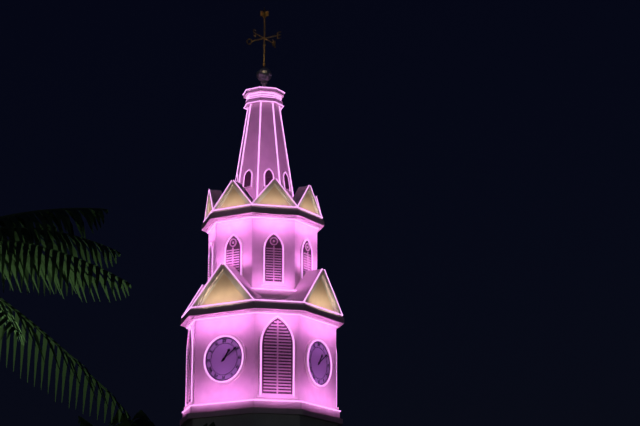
**1:09**
